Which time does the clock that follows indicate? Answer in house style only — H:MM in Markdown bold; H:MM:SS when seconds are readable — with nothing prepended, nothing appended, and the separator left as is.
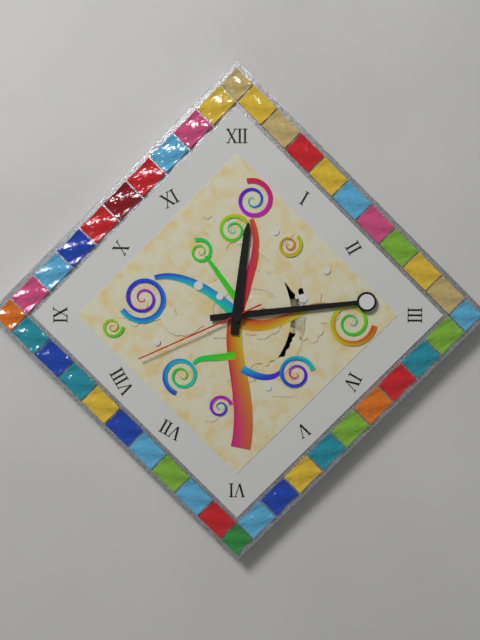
**12:14:41**
